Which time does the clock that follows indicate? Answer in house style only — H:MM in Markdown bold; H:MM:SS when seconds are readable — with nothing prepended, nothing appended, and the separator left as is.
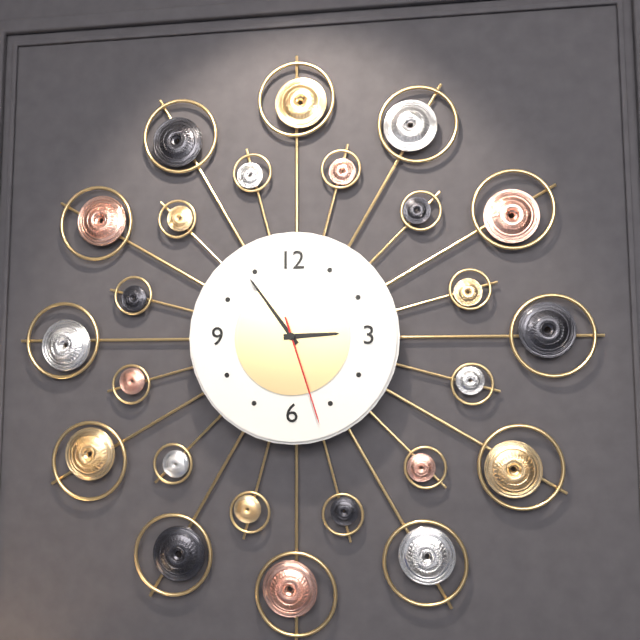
**2:54:27**
